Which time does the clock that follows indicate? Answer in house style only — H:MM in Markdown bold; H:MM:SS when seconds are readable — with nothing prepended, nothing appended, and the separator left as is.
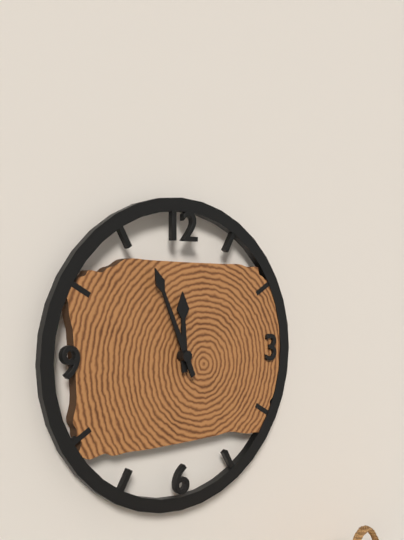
**11:56**
